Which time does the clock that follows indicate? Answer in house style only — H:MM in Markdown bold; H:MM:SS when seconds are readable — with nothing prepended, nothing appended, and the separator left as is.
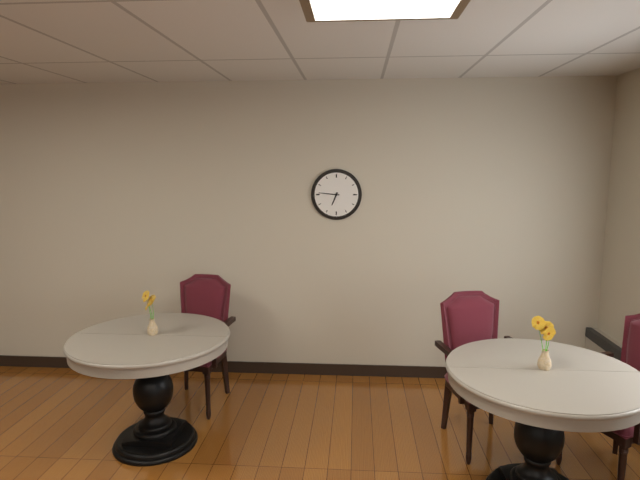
**6:46**
